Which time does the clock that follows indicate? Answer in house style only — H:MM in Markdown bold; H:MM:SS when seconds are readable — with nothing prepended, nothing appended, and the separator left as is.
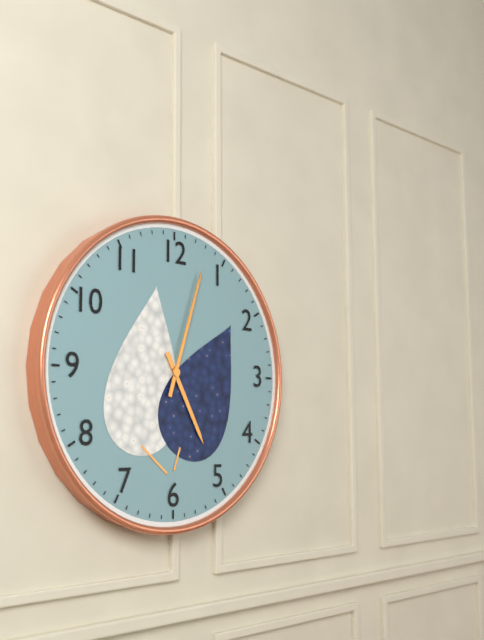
**5:03**
